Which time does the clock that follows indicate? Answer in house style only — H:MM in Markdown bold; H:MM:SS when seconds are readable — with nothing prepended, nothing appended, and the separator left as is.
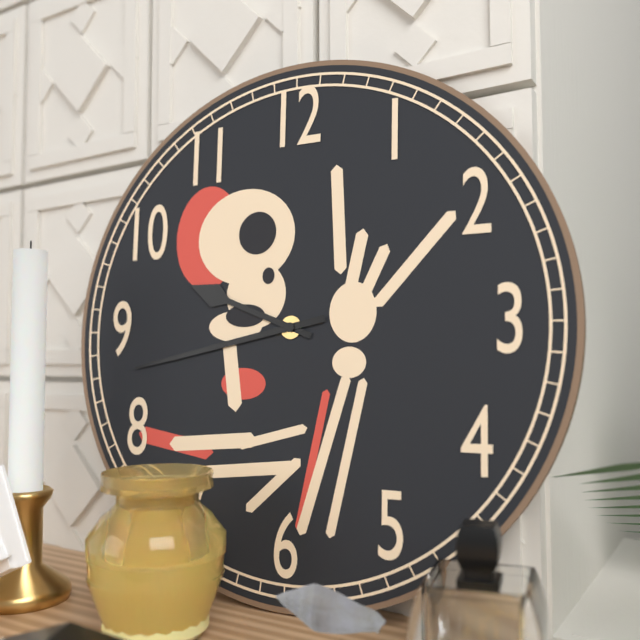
**9:43**
